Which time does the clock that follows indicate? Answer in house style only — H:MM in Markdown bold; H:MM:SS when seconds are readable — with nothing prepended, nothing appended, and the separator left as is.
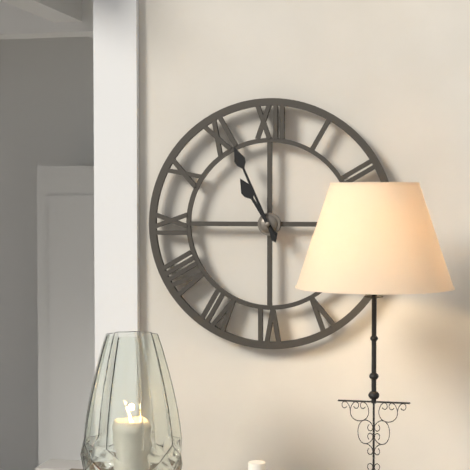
**10:56**
